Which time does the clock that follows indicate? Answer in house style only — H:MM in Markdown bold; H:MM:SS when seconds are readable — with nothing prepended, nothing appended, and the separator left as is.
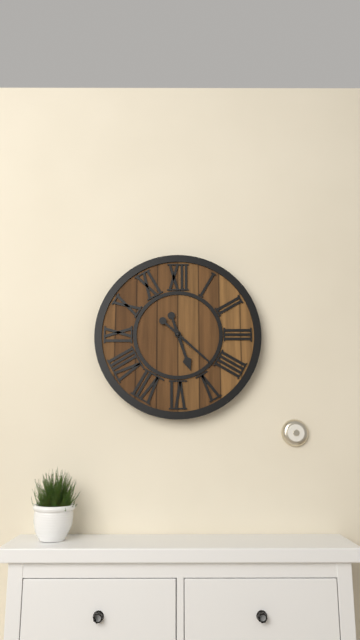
**5:22**
